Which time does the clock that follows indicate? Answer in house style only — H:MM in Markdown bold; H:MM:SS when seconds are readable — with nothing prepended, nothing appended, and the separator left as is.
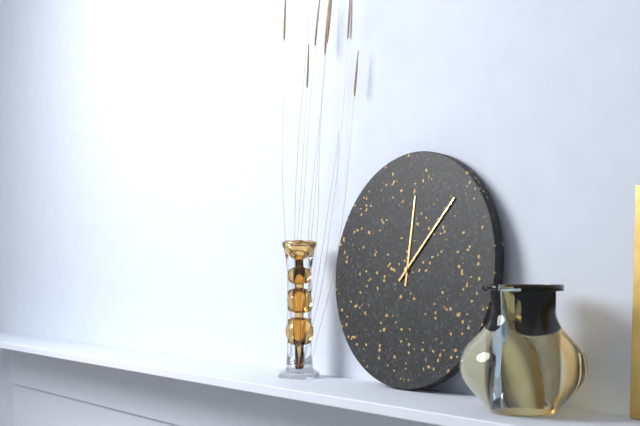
**12:07**
